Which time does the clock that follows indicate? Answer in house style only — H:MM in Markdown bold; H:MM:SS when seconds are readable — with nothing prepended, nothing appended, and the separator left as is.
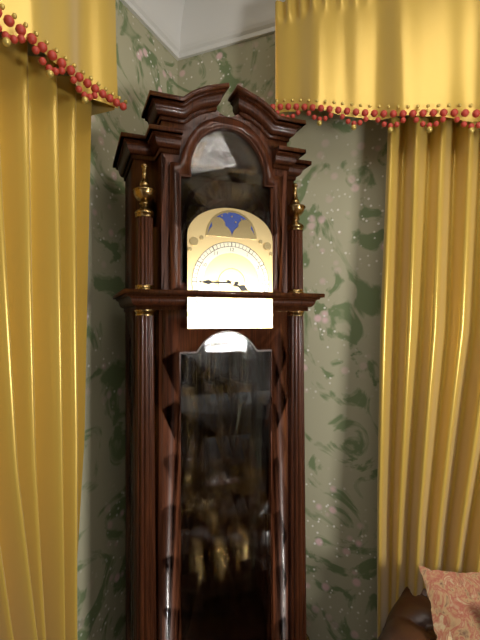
**3:45**
